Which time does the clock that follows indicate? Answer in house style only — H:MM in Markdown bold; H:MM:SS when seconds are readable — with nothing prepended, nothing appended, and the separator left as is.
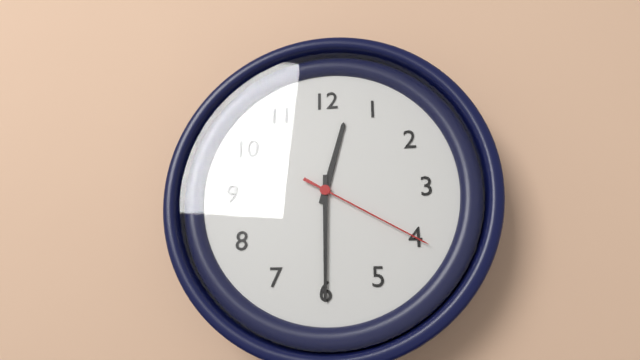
**12:30:20**
